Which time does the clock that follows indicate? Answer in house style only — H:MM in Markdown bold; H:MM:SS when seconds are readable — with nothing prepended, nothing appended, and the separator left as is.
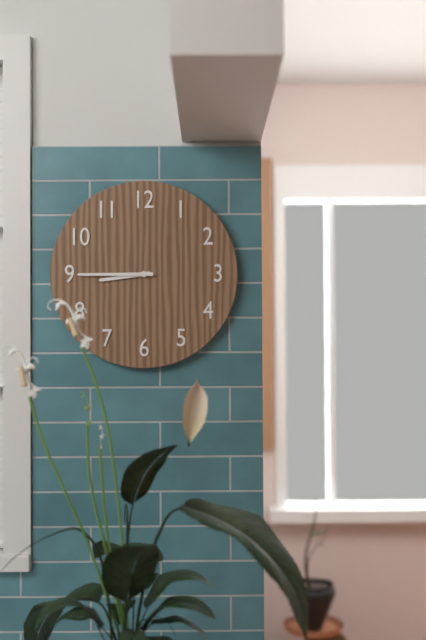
**8:45**
